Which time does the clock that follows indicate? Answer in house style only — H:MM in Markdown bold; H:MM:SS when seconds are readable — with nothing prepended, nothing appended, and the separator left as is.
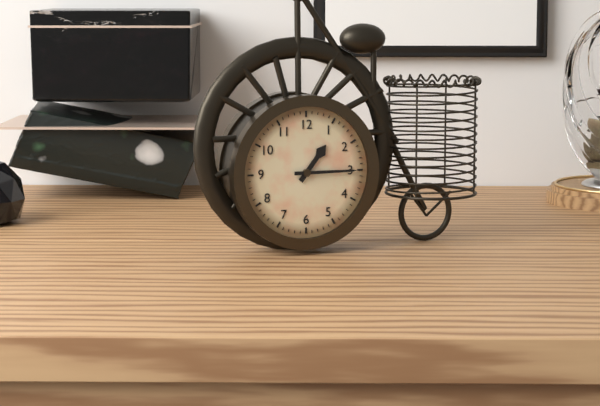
**1:15**
